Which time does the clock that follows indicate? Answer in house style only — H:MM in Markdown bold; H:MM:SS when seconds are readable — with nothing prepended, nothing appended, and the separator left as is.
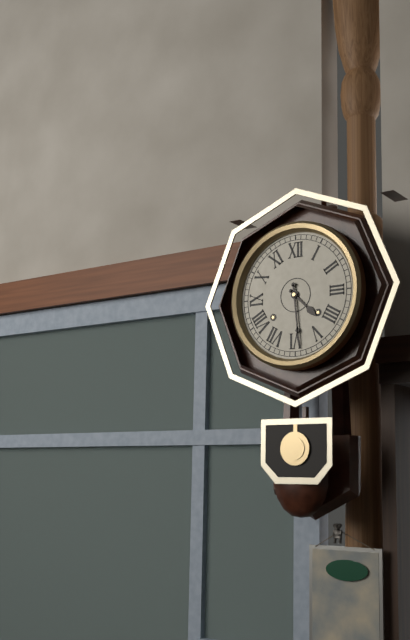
**4:29**
